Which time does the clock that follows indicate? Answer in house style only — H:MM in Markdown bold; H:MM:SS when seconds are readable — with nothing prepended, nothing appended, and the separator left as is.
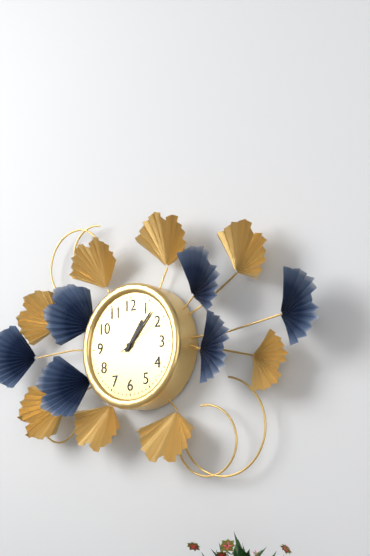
**1:07:10**
